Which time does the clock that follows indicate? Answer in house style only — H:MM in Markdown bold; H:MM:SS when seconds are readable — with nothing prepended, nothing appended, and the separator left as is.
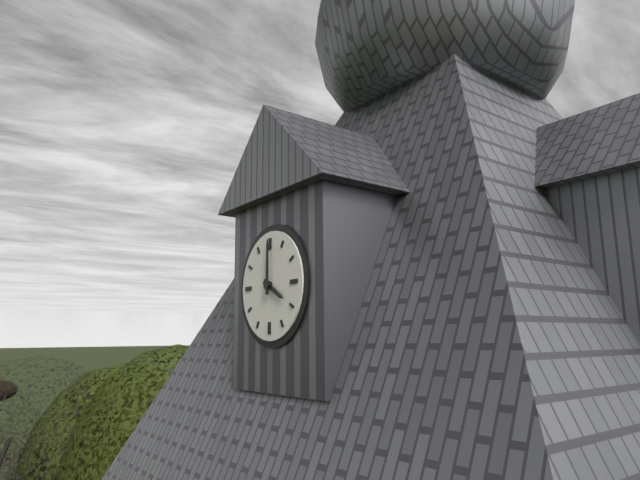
**4:00**
